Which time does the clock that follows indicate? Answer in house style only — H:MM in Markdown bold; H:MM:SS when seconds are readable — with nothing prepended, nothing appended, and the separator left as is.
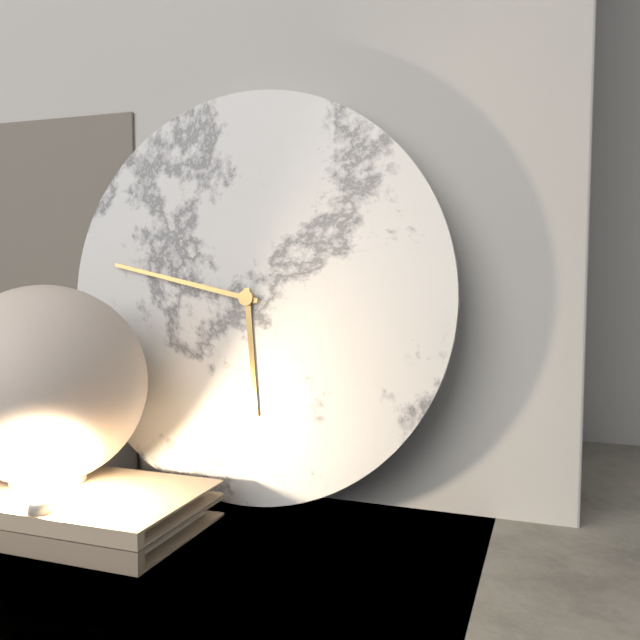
**5:47**
